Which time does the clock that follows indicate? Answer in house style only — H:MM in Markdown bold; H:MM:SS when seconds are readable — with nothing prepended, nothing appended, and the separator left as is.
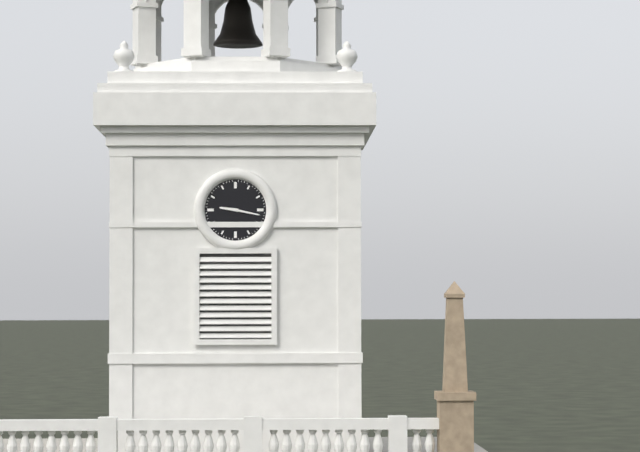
**9:17**
